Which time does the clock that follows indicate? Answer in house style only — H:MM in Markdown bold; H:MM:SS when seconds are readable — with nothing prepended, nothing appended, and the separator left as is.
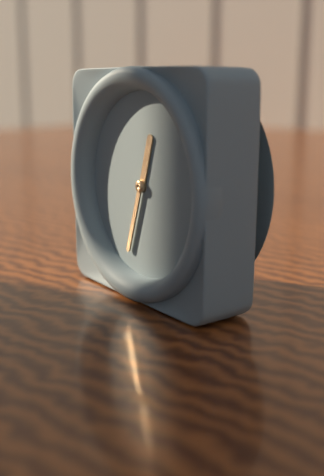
**12:33**
